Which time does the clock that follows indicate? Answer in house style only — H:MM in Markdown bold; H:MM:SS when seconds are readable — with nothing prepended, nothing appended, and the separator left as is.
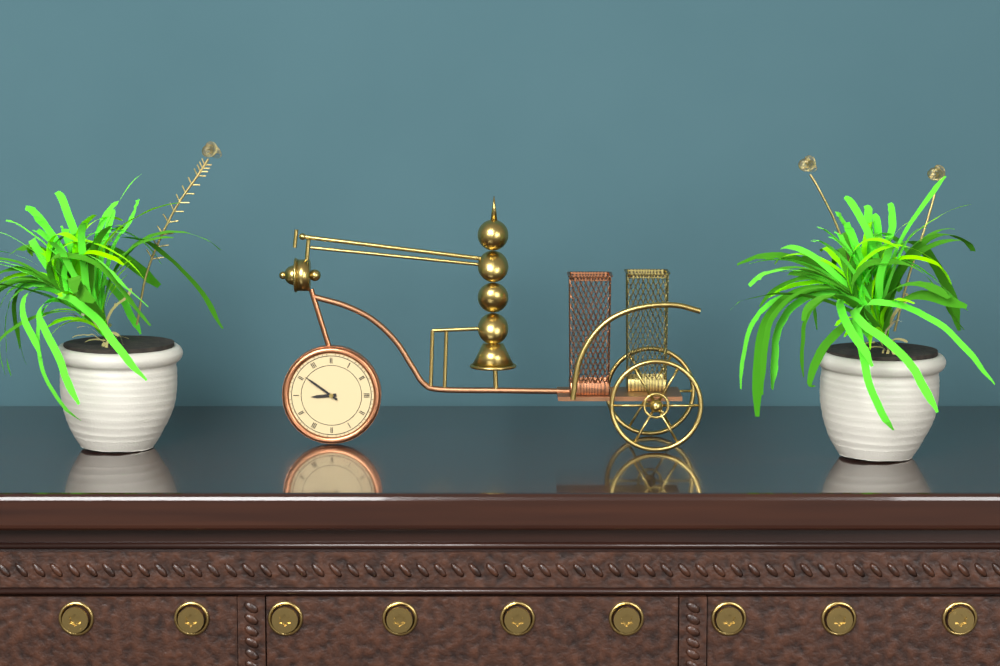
**8:51**
